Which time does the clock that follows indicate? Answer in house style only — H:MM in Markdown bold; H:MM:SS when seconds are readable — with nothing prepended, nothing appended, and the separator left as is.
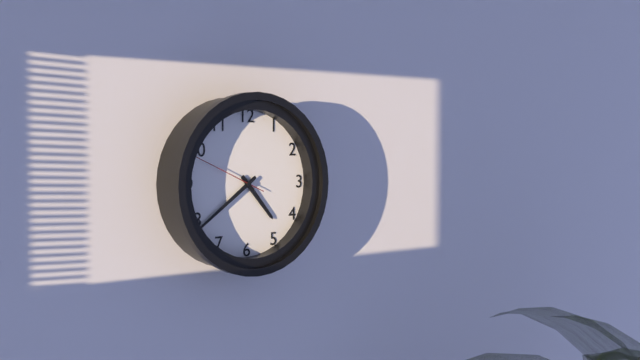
**4:39:49**
